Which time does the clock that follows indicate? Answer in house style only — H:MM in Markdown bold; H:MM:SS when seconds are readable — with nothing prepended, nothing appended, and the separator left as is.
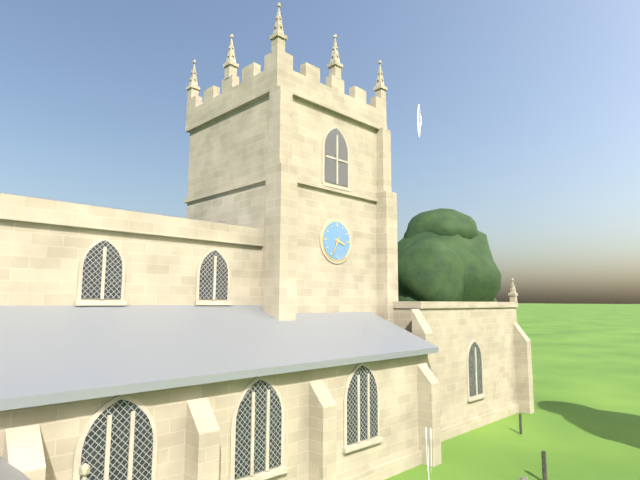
**3:34**
